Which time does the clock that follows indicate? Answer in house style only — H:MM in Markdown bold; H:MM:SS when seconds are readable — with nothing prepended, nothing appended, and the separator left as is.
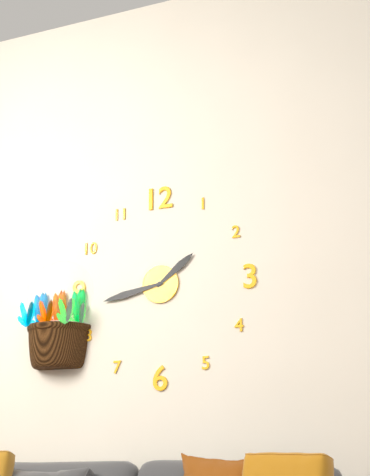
**1:43**
